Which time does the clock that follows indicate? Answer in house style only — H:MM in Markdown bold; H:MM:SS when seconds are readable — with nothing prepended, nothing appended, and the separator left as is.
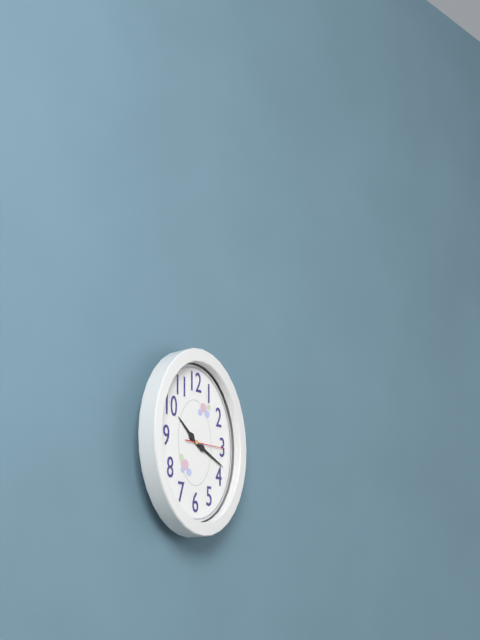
**10:19**
